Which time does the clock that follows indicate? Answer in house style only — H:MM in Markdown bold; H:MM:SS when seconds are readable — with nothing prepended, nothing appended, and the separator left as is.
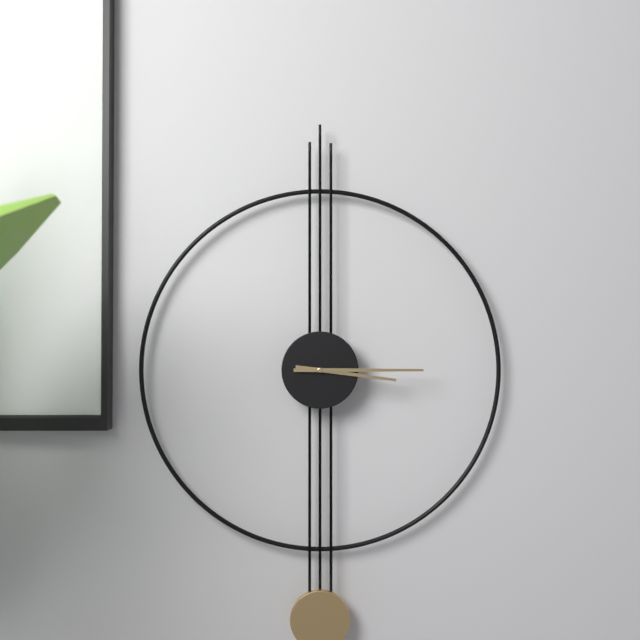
**3:15**
